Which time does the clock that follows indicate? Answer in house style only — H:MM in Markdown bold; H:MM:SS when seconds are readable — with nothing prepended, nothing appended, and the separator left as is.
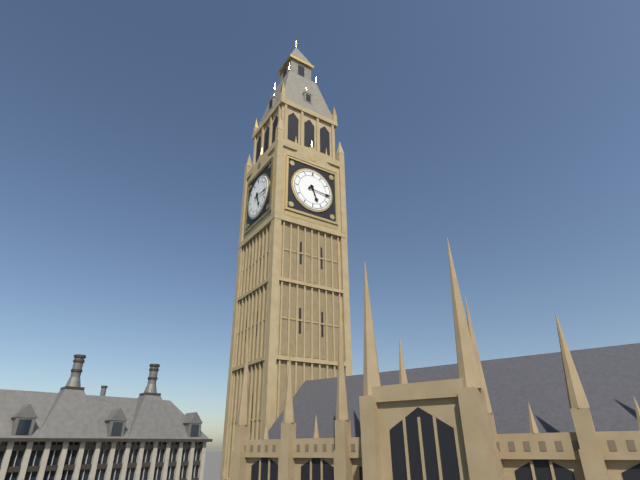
**5:16**
